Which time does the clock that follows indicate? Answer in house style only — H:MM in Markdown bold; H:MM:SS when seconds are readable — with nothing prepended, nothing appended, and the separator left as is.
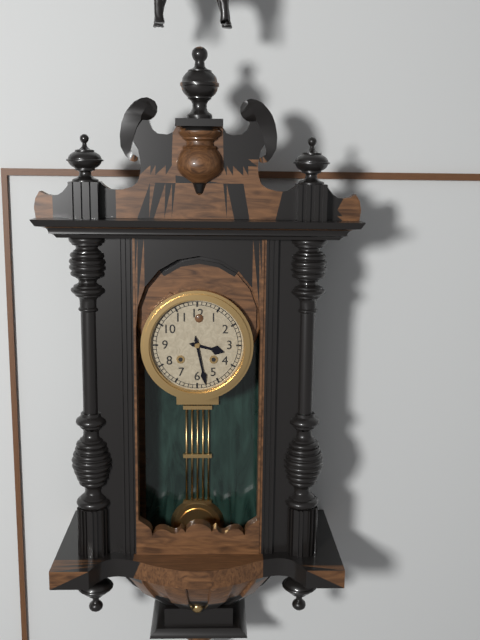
**3:28**
